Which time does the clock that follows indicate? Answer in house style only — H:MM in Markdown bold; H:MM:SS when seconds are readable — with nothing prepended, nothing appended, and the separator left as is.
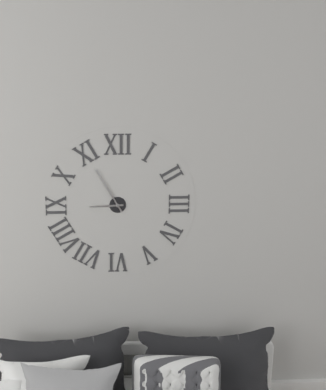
**8:55**
